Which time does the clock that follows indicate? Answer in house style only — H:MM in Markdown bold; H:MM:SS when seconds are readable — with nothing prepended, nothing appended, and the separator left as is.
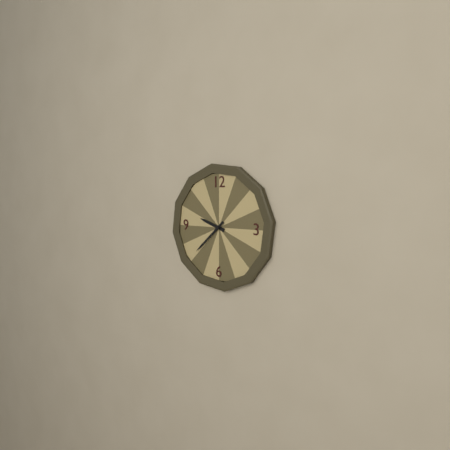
**9:38**
